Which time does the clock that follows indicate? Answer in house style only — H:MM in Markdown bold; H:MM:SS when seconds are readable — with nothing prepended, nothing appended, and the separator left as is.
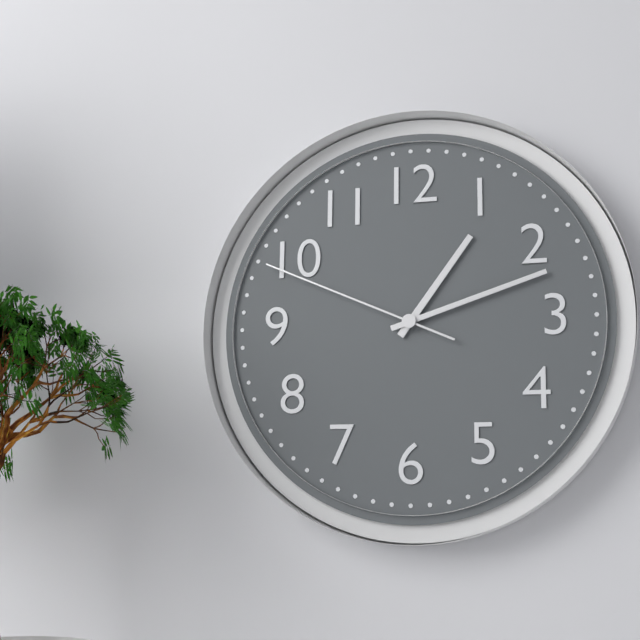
**1:12:49**
